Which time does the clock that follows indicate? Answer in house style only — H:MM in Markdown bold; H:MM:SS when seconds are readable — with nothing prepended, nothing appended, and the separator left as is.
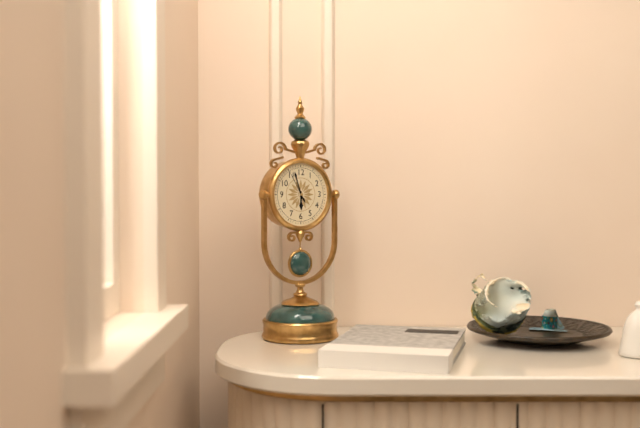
**5:57**
